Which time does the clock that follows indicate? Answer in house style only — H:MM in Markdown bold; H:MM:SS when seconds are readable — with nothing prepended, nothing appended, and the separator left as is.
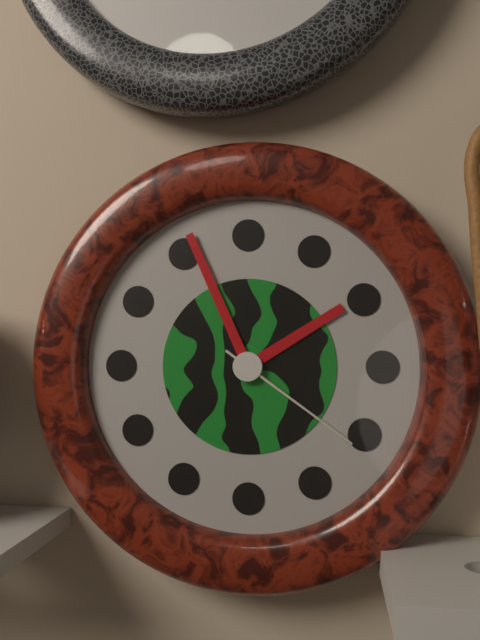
**1:56:21**
